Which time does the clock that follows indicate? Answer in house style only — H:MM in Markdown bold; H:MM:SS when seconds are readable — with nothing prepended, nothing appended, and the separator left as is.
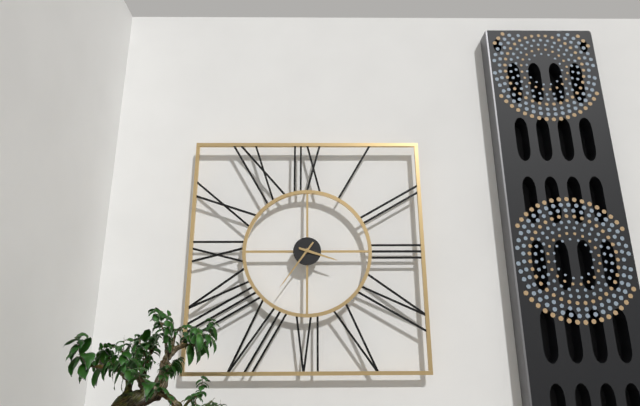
**3:36**
